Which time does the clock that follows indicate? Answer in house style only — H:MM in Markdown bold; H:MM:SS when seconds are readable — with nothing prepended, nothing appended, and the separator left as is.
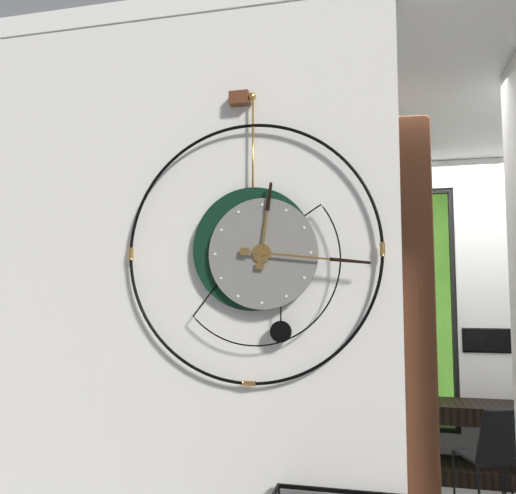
**12:16**
